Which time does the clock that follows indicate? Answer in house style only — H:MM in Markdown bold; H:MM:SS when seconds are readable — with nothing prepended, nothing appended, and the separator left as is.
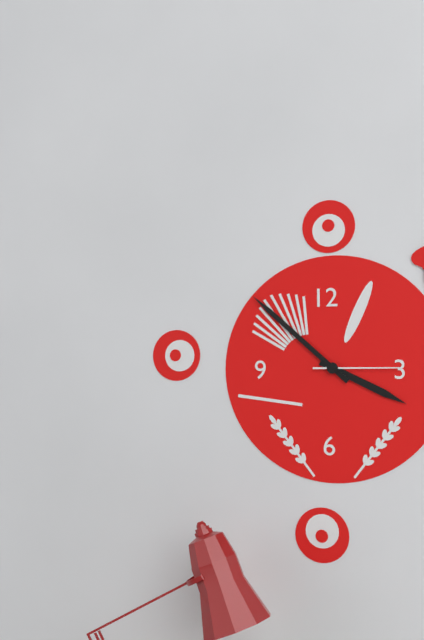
**3:52:15**
